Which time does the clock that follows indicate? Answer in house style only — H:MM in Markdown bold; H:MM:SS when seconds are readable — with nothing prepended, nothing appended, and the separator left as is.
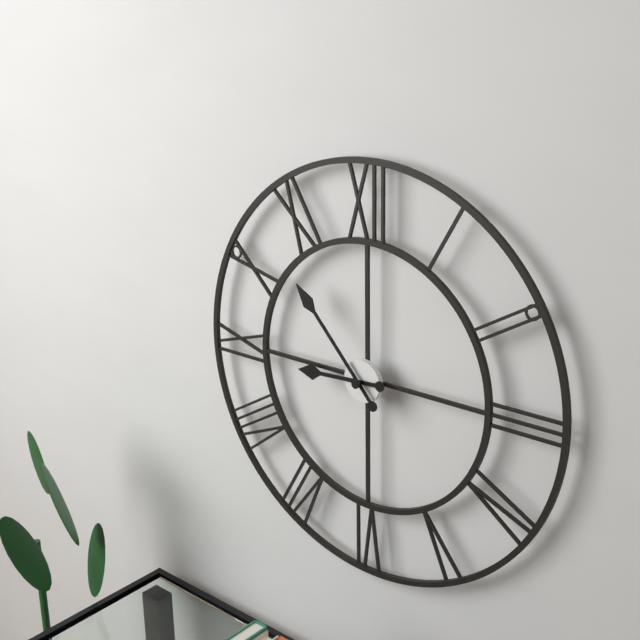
**8:53**
